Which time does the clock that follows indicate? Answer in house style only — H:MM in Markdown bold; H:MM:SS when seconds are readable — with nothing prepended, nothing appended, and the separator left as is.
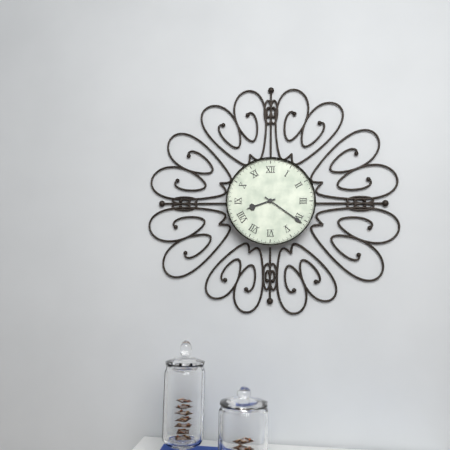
**8:21**
